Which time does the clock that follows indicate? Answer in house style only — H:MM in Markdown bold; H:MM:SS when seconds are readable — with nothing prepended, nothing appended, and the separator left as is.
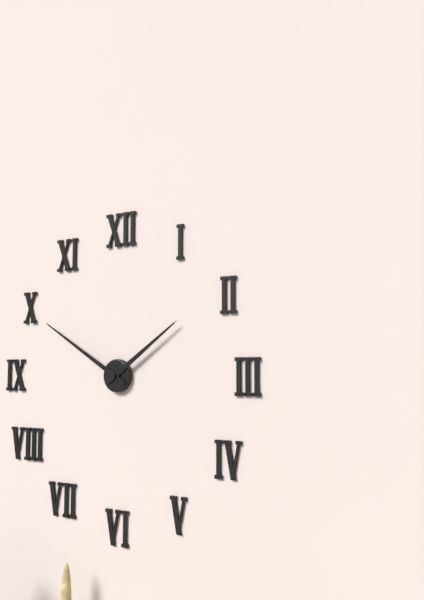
**1:50**
